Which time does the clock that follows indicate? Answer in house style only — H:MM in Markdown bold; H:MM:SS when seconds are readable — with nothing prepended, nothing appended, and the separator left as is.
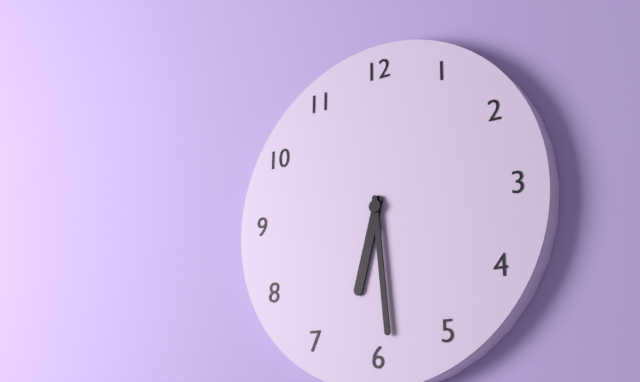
**6:29**
